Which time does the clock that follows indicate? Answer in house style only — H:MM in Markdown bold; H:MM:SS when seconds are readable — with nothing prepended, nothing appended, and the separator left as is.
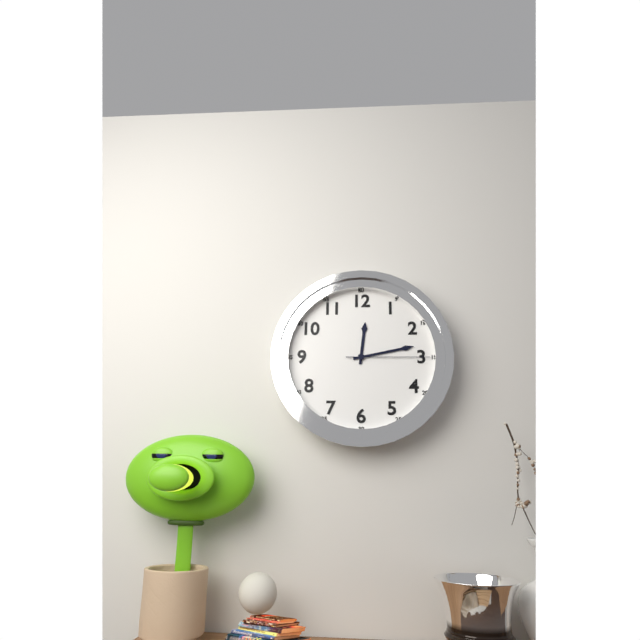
**12:13:15**
